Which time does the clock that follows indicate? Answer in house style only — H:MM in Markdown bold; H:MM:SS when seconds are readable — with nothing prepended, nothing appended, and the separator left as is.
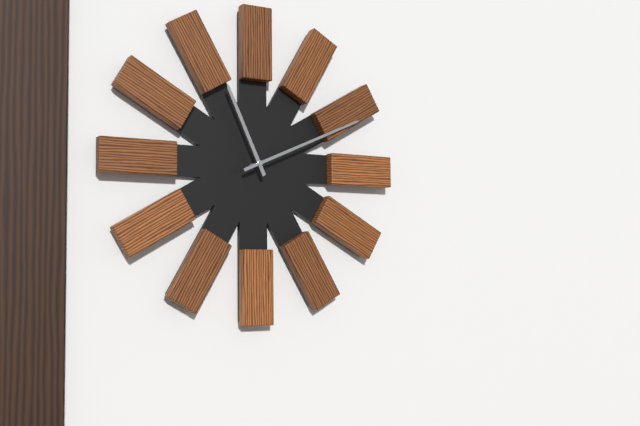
**11:11**
